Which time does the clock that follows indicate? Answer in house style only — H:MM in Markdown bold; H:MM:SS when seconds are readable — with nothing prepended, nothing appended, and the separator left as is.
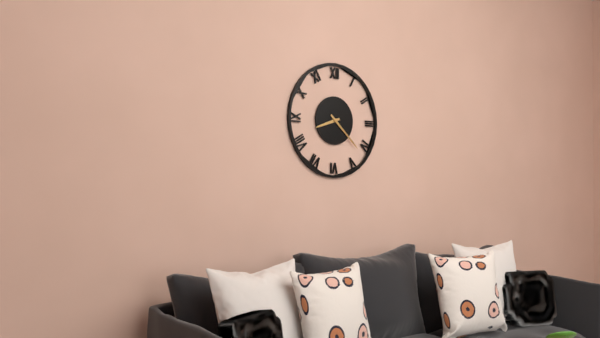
**8:22**
